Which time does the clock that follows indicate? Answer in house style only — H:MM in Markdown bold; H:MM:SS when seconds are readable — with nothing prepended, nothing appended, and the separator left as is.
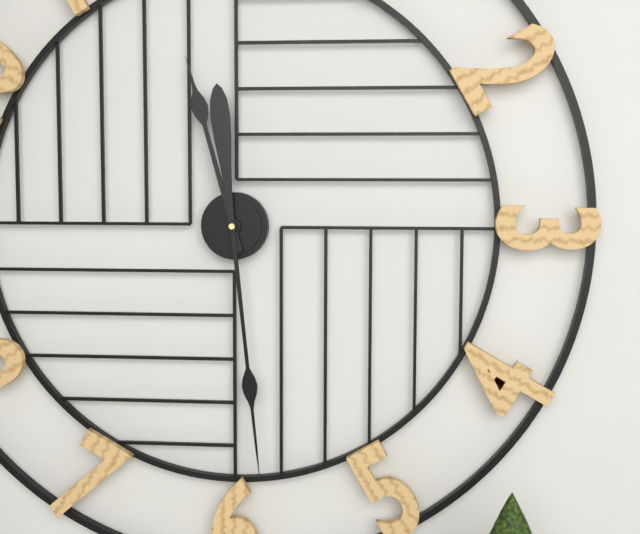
**11:29**
